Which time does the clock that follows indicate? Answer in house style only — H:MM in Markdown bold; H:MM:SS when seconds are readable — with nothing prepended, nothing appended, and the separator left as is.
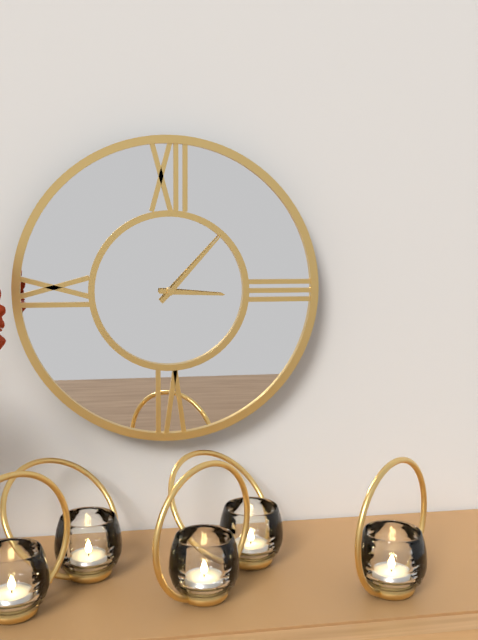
**3:07**
